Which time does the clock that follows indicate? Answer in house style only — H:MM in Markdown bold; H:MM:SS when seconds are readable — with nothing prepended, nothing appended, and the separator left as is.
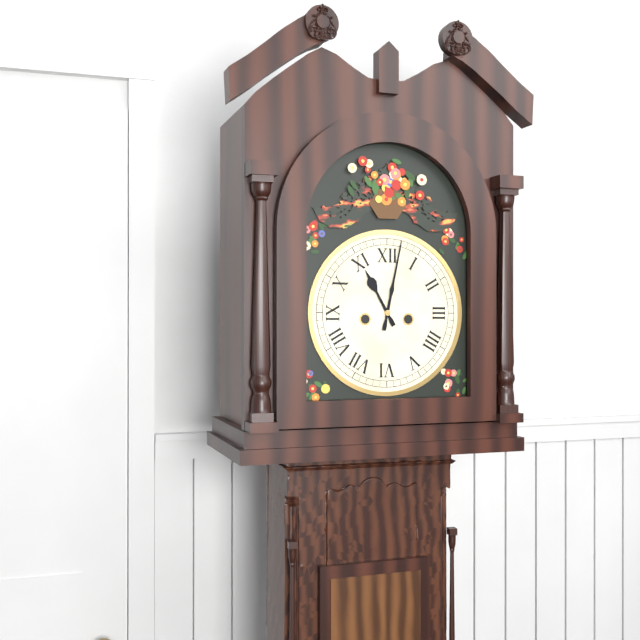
**11:02**
